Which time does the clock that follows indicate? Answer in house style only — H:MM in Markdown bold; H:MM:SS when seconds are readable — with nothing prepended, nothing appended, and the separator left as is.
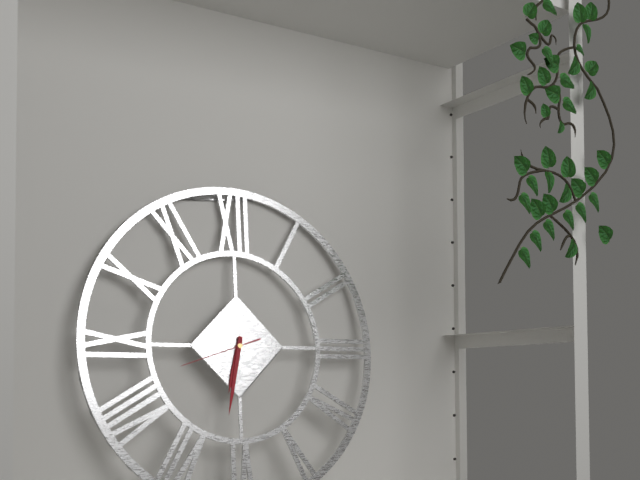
**6:32:42**
